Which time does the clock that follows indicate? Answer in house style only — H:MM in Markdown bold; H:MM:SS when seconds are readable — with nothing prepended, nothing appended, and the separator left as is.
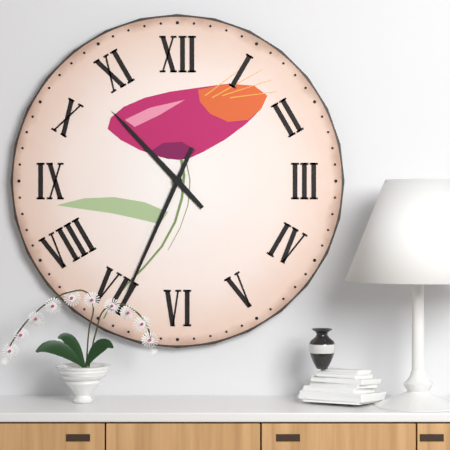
**10:34**
